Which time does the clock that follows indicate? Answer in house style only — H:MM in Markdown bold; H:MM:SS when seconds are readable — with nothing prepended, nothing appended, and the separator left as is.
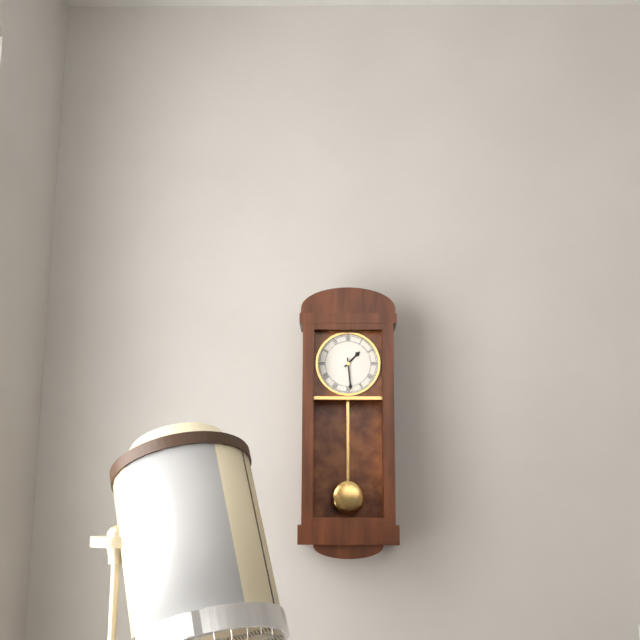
**1:29**
